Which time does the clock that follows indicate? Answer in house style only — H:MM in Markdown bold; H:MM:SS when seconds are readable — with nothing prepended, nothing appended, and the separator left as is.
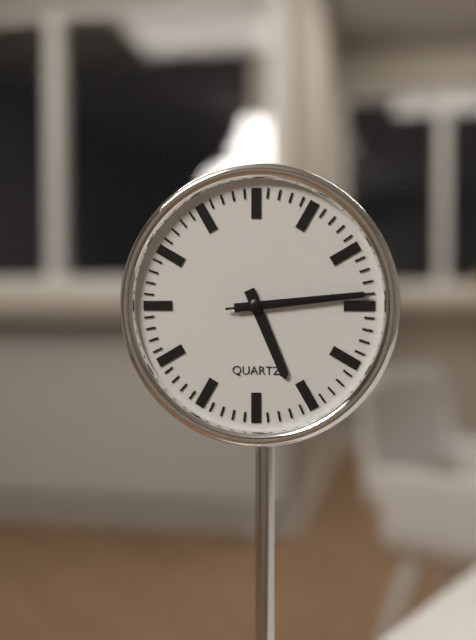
**5:14:14**
